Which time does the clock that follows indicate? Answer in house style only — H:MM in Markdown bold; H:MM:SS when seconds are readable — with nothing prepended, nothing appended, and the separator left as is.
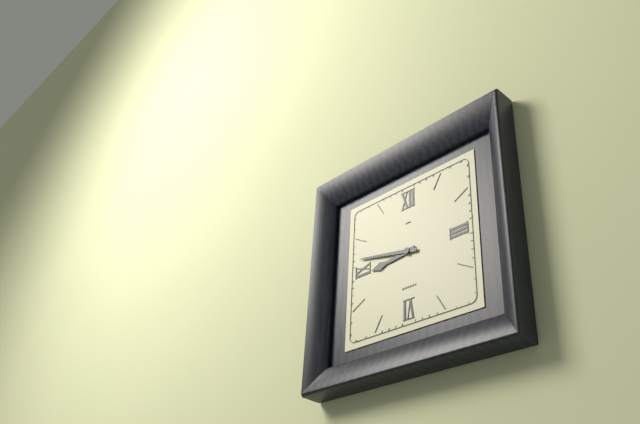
**8:47**
